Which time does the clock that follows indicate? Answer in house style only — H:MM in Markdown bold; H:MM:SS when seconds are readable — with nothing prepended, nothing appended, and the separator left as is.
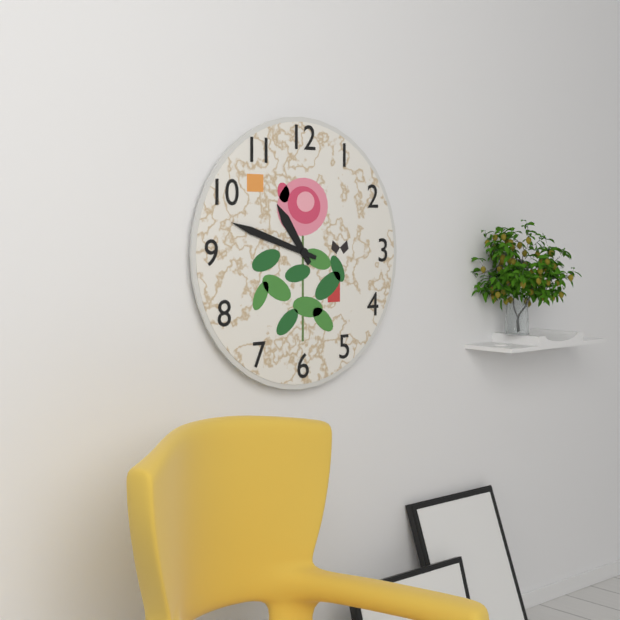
**10:48**
